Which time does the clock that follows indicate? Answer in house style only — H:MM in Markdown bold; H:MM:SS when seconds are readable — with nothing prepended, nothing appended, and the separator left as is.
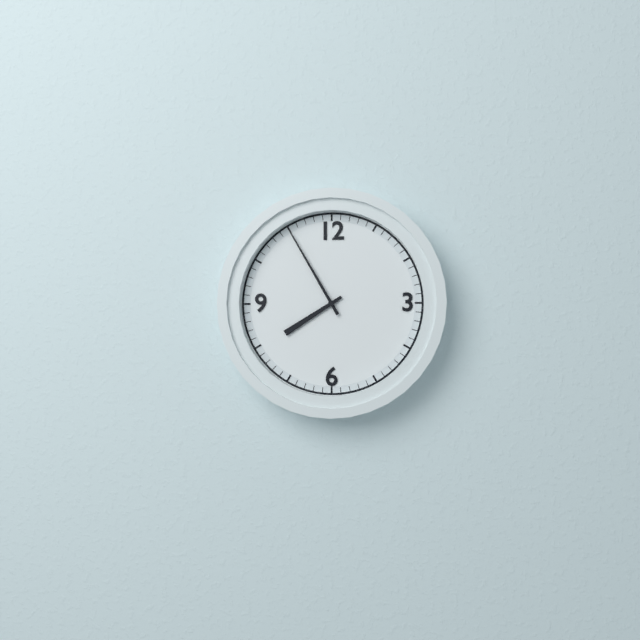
**7:55**
